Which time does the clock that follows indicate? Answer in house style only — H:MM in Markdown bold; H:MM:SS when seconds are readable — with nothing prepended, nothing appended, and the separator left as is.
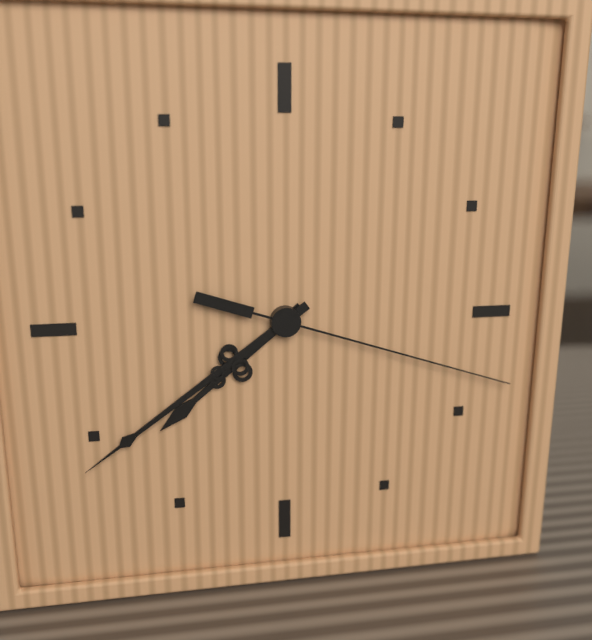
**7:39:18**
